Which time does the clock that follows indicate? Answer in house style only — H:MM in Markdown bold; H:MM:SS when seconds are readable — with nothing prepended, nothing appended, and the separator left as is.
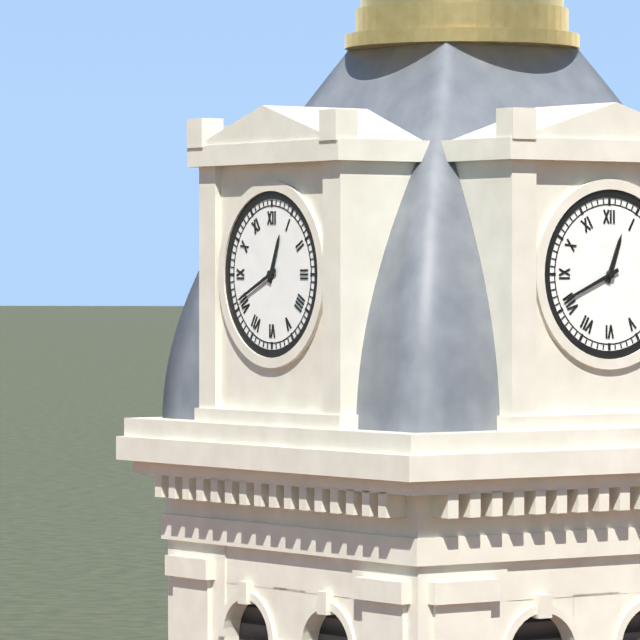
**12:41**
